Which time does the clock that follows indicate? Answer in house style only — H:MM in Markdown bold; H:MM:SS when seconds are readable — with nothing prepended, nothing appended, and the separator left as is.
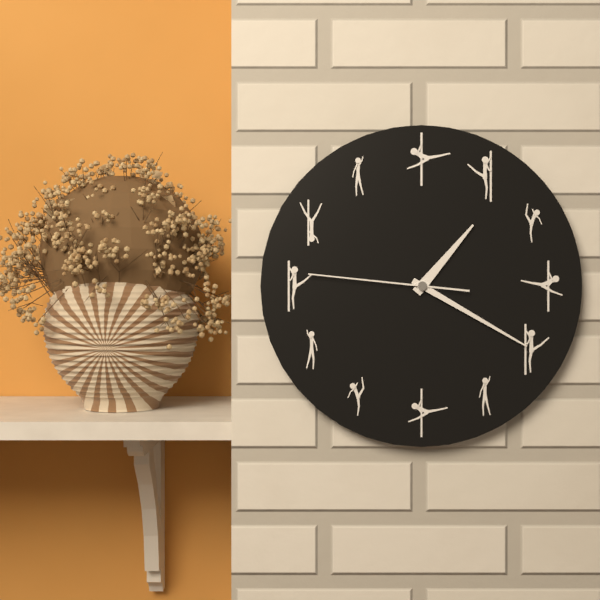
**1:20:46**
